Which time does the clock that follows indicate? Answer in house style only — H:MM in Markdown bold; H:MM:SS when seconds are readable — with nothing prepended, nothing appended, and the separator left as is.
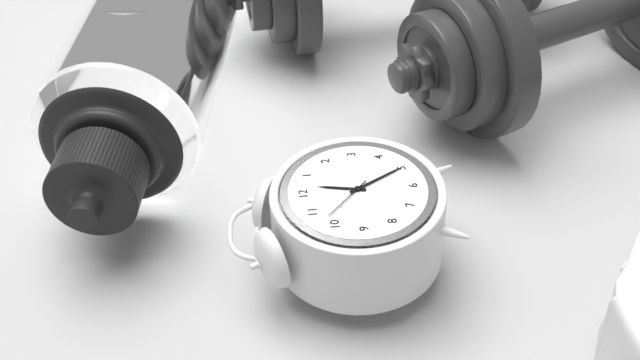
**12:25**
